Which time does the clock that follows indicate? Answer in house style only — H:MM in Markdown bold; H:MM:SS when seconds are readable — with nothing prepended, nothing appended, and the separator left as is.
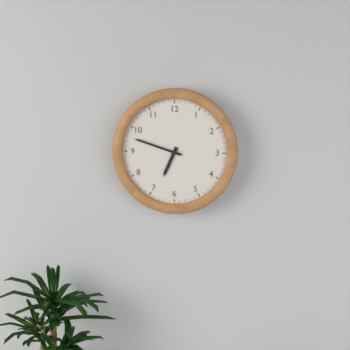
**6:48**
